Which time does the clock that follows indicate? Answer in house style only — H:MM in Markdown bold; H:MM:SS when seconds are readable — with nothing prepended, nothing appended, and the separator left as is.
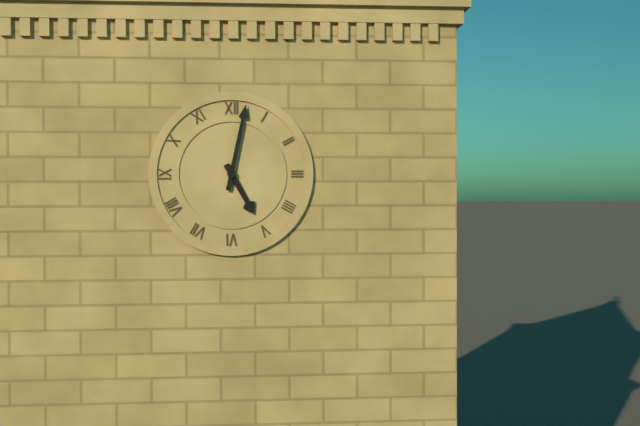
**5:02**
